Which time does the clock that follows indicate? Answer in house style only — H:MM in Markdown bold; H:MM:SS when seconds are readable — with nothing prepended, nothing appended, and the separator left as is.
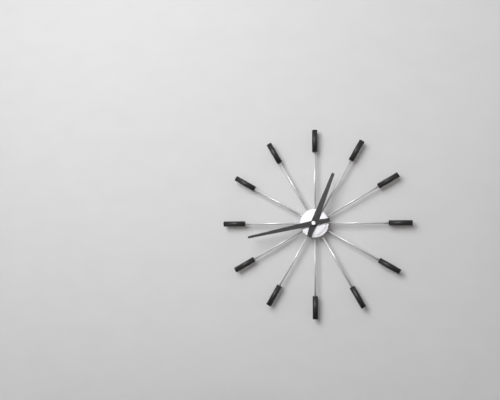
**12:43**
